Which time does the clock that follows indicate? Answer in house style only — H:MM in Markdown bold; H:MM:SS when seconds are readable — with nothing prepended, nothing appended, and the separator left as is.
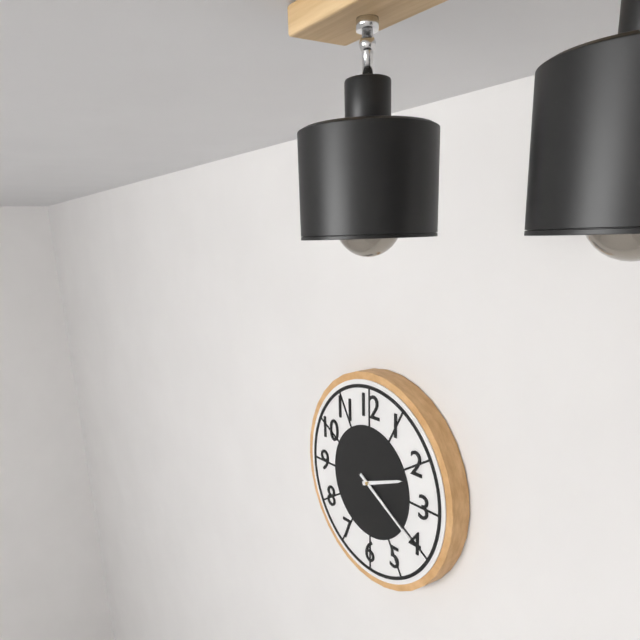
**2:20**
